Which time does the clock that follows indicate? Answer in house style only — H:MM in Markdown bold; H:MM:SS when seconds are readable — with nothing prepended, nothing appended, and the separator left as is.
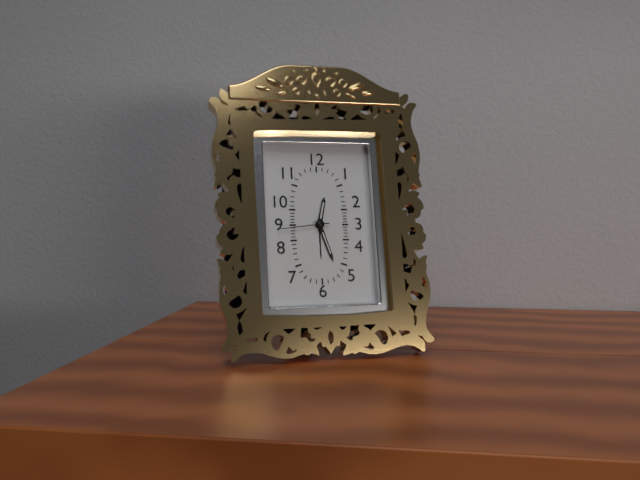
**12:27:44**
